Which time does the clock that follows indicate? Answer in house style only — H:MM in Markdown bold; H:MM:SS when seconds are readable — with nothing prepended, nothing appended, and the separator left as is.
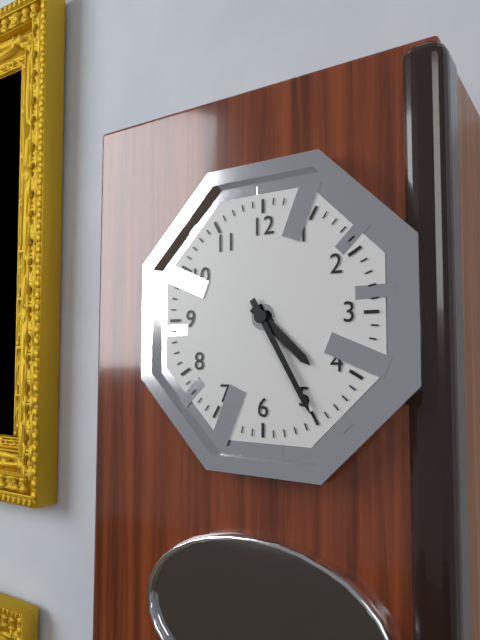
**4:25**
